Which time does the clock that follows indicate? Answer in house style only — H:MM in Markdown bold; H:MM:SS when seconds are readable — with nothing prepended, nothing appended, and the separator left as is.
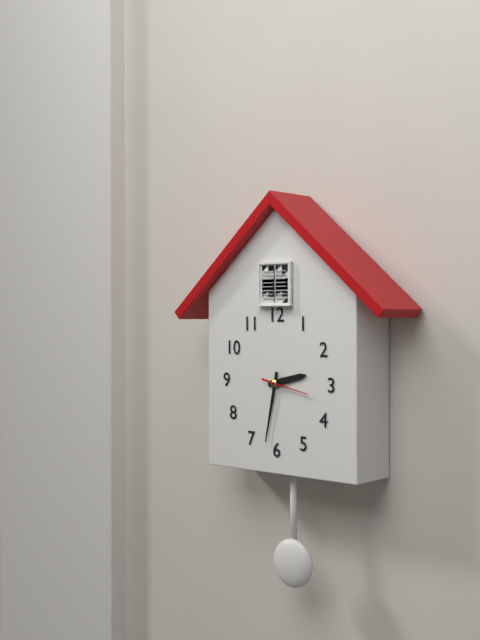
**2:32**
